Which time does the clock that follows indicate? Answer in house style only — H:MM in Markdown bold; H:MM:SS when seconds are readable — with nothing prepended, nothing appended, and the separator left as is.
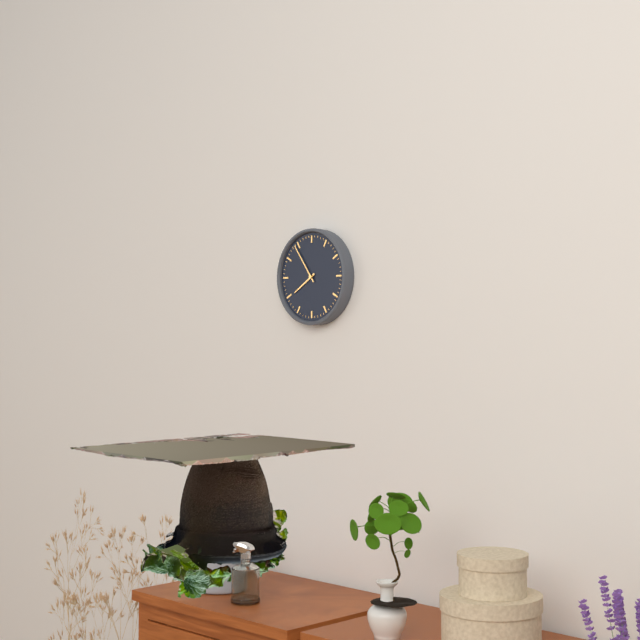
**7:54**
